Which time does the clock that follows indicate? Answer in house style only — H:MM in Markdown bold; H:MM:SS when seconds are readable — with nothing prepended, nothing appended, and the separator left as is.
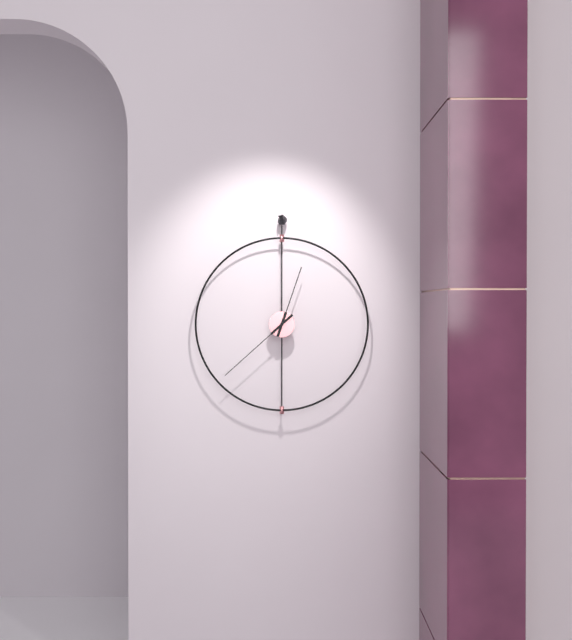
**12:38**
